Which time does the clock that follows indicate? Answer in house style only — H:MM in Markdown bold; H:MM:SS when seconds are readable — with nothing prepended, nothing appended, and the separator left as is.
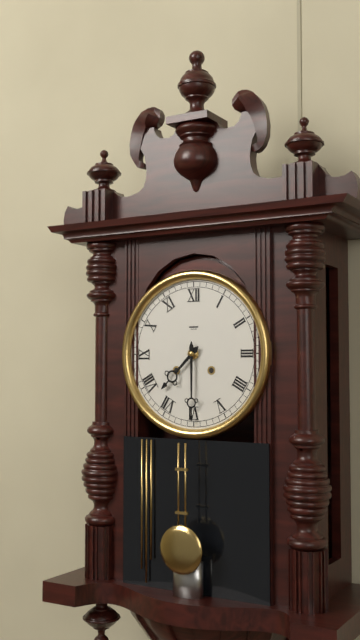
**7:30**
